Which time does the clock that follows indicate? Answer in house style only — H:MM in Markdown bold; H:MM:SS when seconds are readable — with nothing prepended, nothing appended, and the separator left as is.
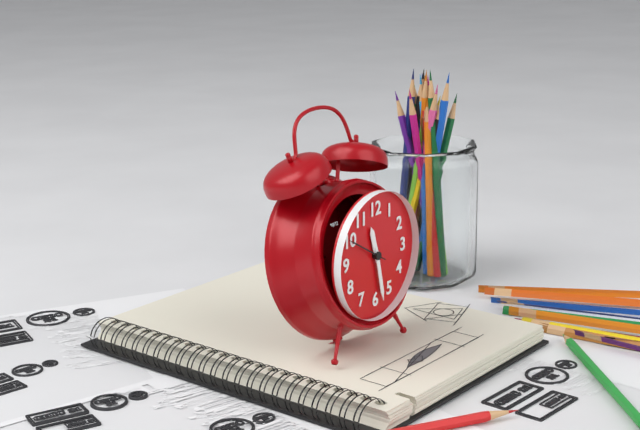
**11:28**
